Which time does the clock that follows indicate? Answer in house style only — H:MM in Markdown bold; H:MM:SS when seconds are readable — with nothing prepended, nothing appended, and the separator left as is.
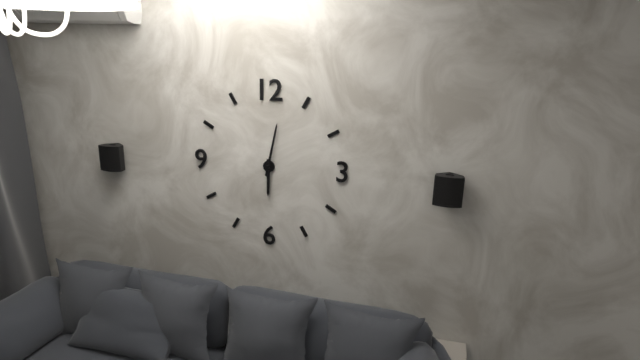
**6:02**
